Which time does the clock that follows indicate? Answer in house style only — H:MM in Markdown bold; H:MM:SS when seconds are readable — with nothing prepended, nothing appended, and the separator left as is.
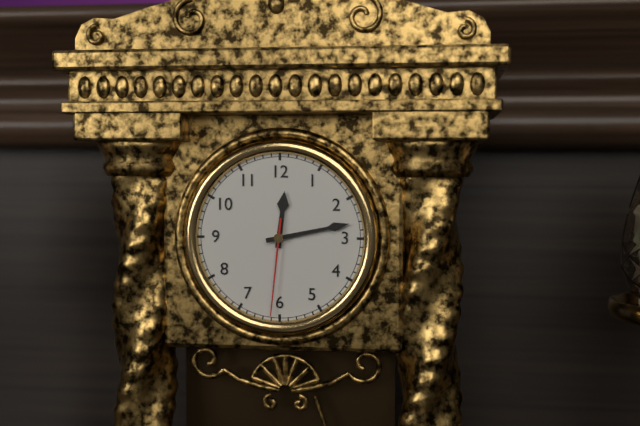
**12:13:31**
